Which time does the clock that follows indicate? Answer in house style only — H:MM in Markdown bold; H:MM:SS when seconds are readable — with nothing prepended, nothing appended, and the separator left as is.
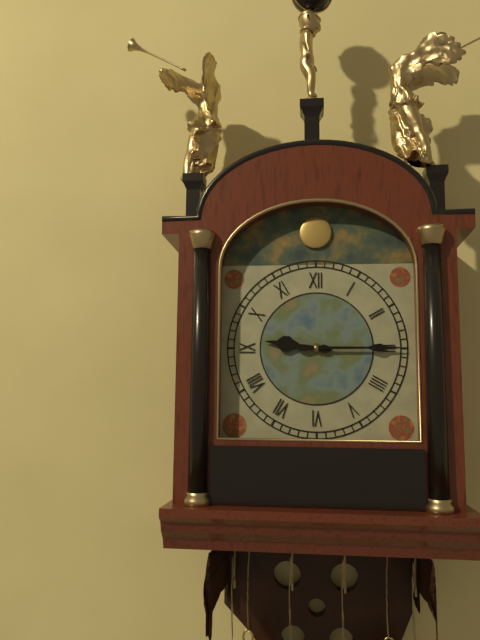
**9:15**
